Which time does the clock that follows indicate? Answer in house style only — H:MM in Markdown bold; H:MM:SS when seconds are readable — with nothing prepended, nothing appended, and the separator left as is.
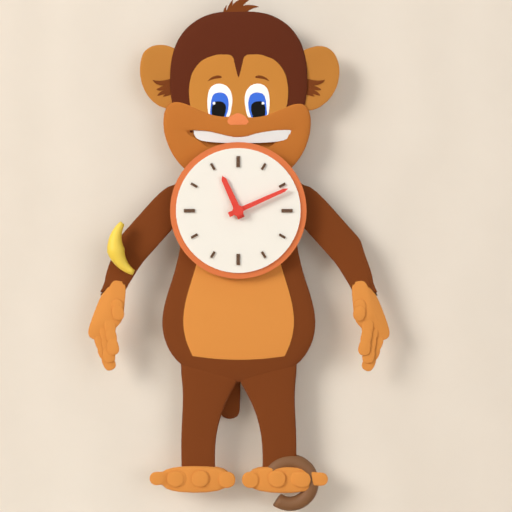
**11:11**
